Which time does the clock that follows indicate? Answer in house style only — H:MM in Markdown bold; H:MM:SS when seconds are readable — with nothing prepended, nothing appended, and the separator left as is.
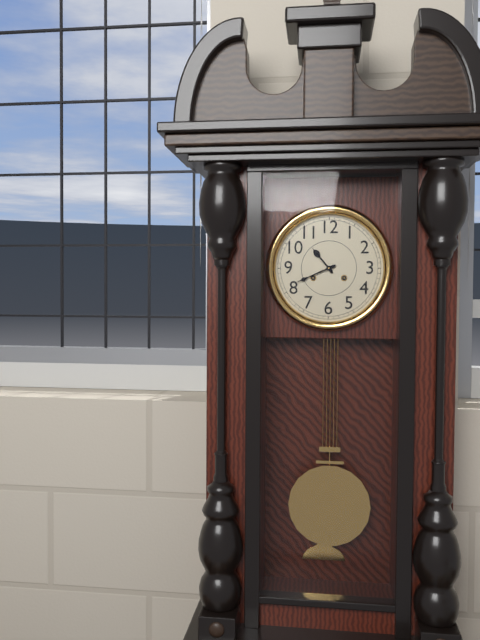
**10:41**
